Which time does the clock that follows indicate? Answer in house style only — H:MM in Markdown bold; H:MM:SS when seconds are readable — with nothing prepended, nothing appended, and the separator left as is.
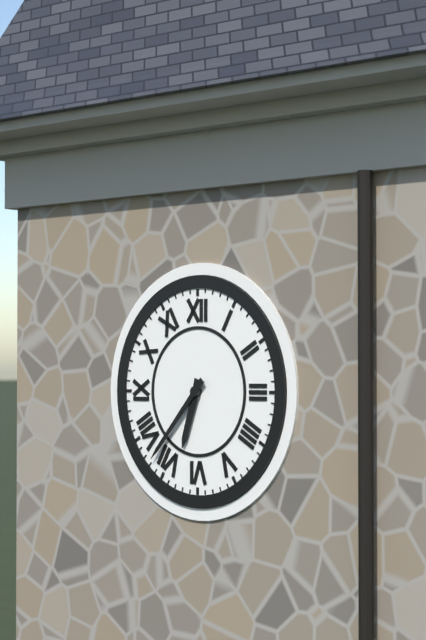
**6:37**
